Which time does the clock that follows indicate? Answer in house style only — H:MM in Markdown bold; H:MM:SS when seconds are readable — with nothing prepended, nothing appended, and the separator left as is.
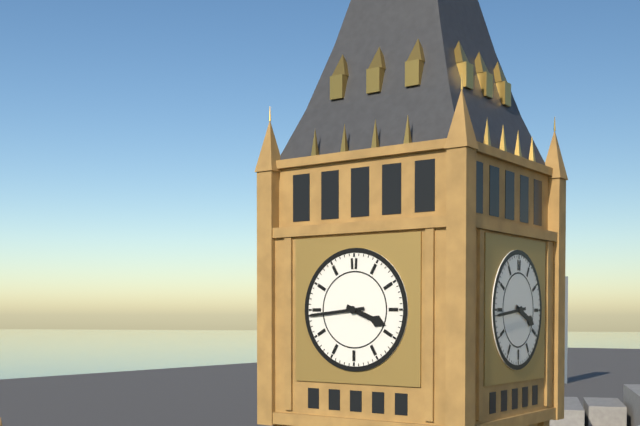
**3:44**
